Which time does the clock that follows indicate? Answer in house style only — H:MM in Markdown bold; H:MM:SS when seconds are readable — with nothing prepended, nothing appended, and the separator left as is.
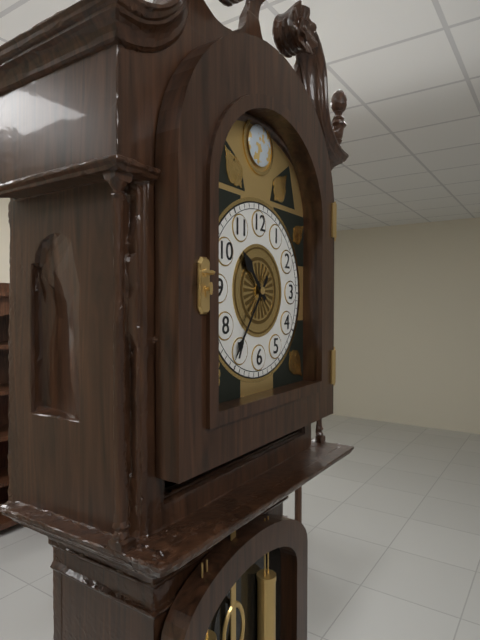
**10:36**
